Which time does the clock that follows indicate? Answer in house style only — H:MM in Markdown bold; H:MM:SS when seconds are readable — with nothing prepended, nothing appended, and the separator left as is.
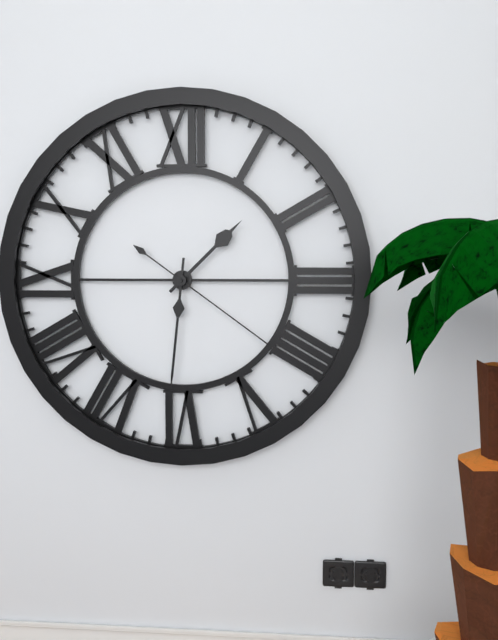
**1:31:21**
